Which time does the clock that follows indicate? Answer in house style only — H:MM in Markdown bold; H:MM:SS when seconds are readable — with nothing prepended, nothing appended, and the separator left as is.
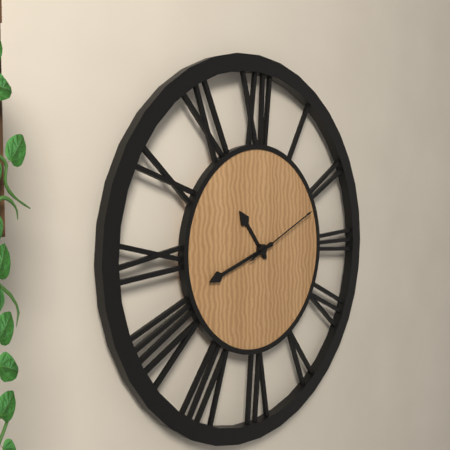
**10:42:11**
